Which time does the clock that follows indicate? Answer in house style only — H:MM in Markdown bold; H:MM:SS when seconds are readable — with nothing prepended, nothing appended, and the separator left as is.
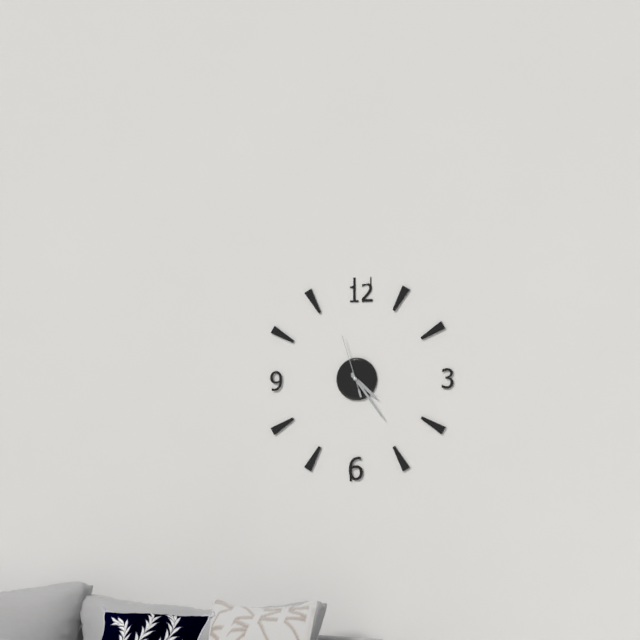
**4:24:57**
